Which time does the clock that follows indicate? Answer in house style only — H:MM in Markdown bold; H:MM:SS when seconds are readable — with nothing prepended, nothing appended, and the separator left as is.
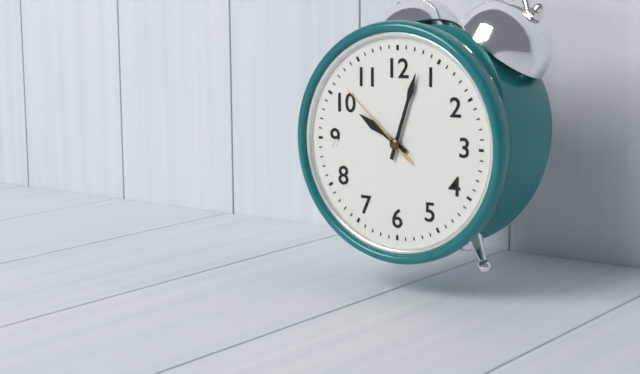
**10:03:52**
